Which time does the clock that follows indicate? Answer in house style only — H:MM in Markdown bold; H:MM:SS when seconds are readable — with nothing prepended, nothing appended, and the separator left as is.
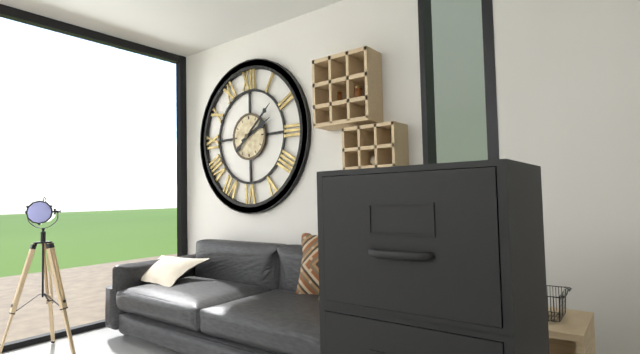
**2:08**
